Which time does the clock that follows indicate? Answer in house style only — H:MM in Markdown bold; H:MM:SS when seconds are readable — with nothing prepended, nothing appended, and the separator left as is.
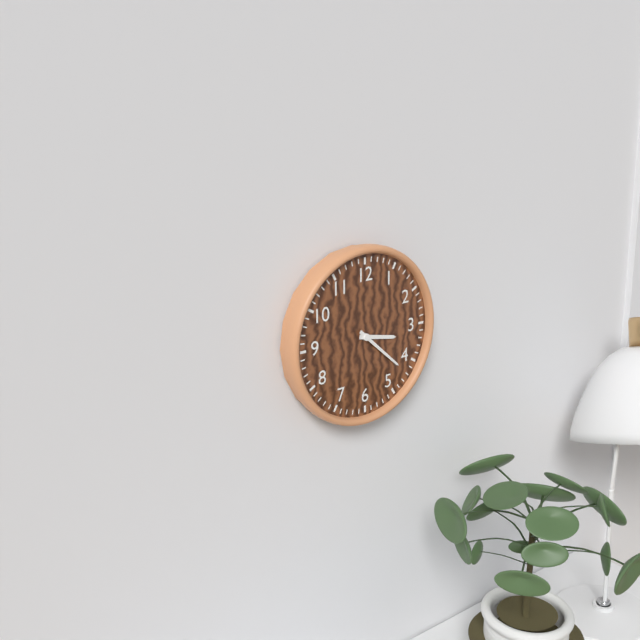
**3:22**
